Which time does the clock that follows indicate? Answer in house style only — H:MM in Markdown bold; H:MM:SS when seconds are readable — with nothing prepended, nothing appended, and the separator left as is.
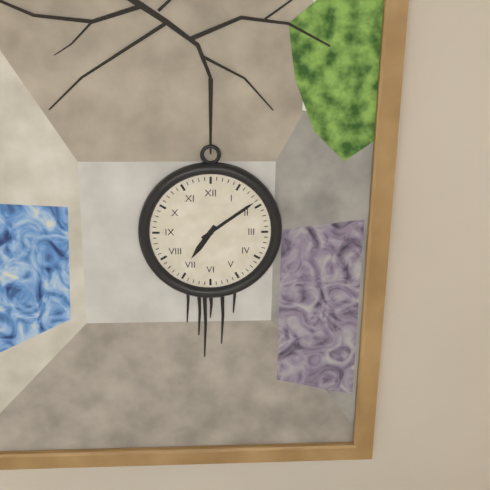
**7:09**
